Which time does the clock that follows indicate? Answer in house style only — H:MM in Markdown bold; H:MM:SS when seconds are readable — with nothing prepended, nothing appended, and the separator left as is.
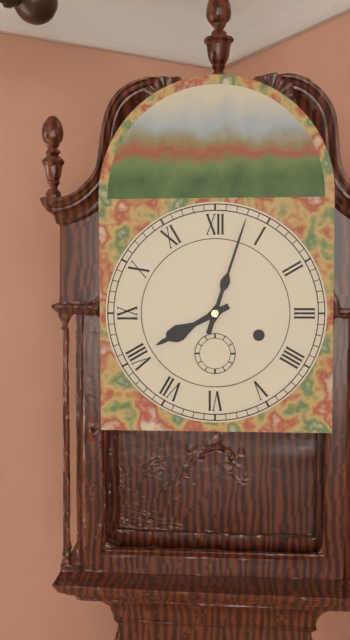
**8:03**
